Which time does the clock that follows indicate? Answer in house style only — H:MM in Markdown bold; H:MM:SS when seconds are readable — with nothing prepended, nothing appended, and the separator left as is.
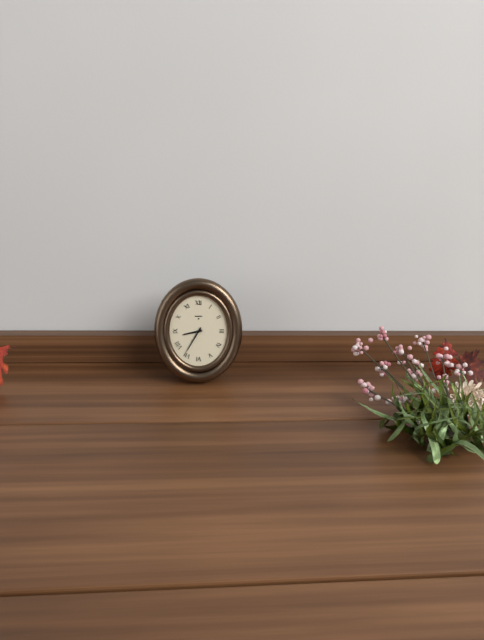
**8:35**
